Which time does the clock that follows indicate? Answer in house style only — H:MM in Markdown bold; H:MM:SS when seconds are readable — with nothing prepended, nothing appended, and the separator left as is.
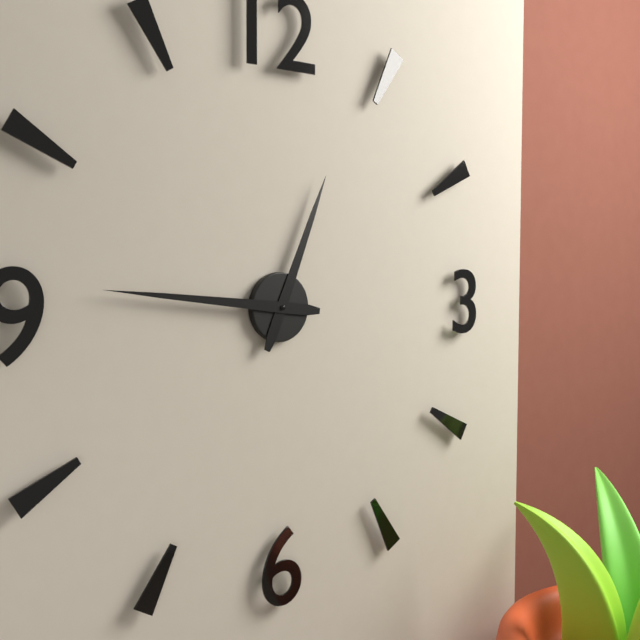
**12:46**
